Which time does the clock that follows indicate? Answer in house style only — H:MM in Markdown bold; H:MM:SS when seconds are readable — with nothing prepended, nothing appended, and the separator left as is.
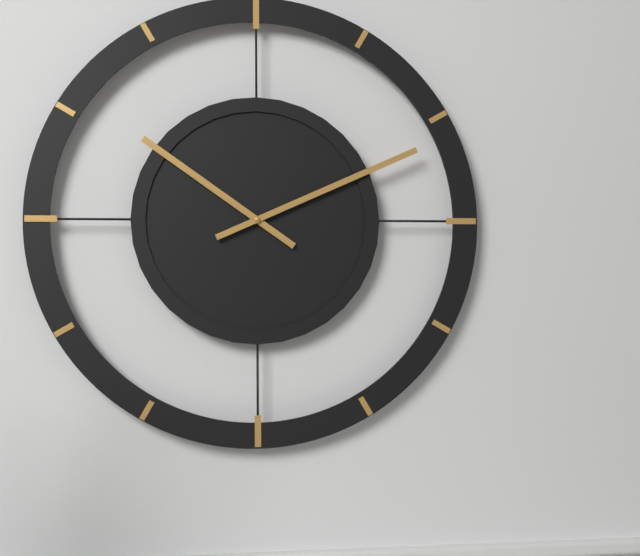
**10:11**
